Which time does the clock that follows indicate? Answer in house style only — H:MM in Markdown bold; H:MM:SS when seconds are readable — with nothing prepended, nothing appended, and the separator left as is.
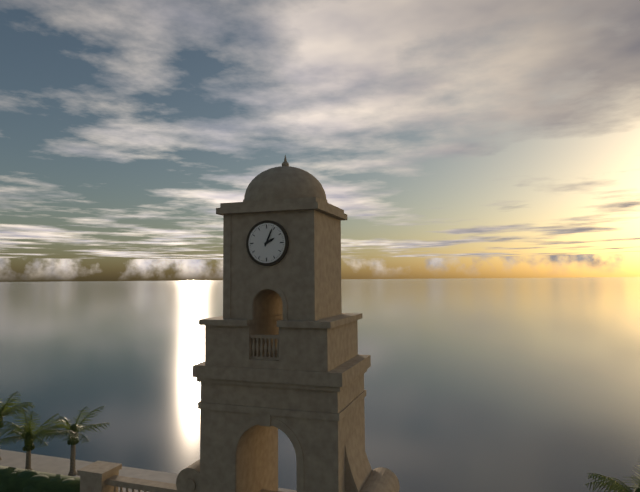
**2:04**
